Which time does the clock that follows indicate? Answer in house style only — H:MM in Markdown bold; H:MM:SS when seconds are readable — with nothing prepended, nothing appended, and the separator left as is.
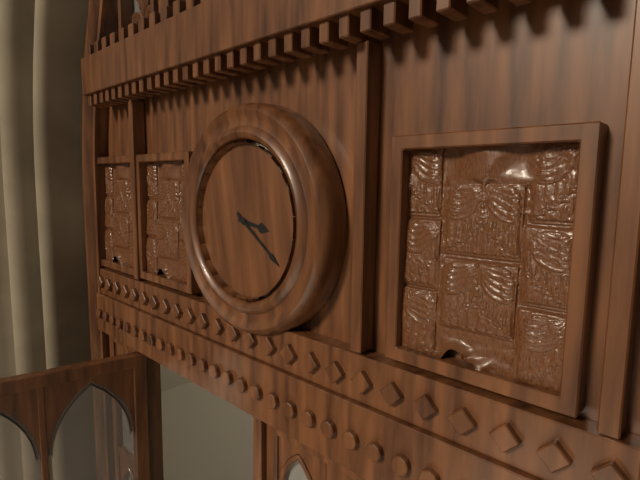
**3:21**
